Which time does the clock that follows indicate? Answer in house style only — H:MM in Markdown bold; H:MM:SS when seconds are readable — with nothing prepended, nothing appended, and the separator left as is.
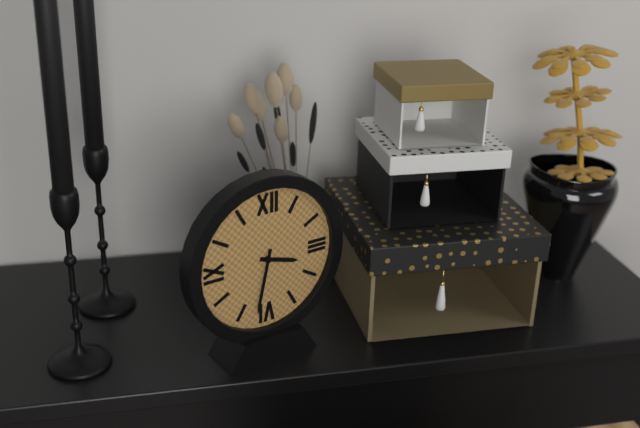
**3:32**
